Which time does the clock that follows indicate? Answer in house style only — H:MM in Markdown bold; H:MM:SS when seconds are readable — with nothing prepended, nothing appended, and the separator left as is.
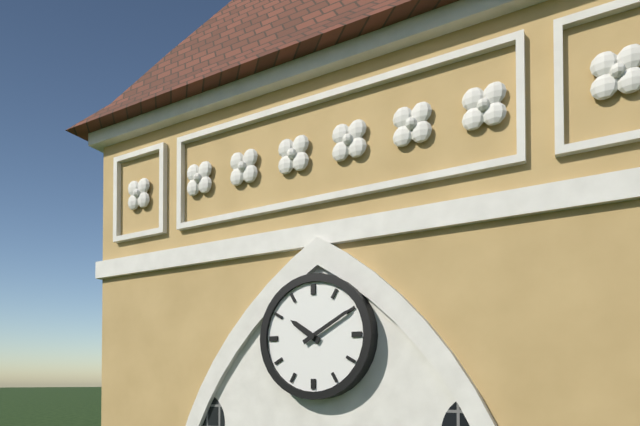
**10:10**
